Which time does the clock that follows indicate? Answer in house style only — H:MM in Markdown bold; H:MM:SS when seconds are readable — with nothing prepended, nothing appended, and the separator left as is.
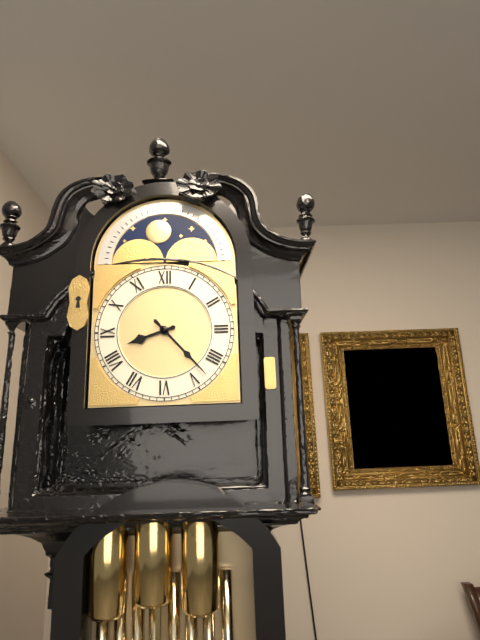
**8:23**
